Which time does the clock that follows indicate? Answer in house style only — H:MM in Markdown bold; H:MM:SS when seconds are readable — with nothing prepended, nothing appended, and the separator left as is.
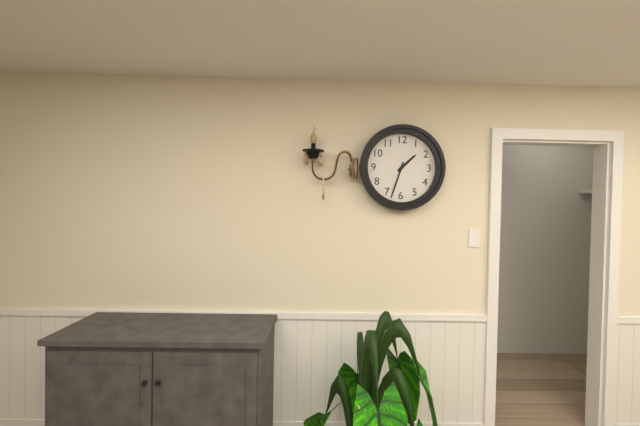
**1:33**
